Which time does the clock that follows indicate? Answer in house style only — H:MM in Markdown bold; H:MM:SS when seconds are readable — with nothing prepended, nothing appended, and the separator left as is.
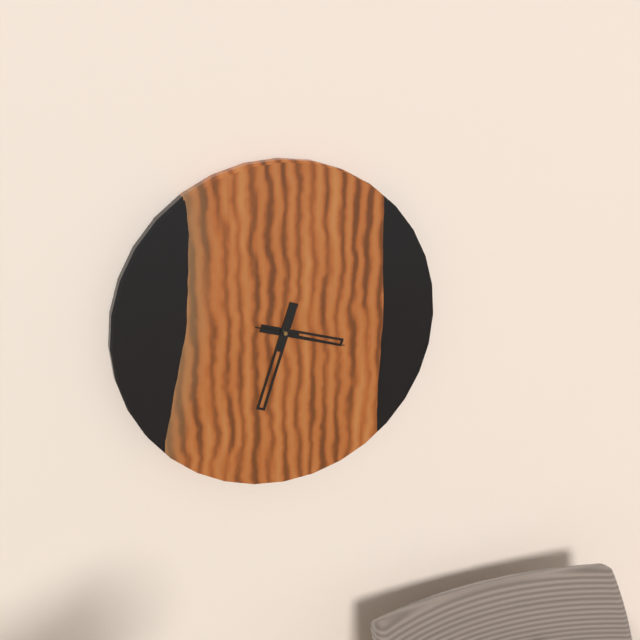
**3:33:18**
